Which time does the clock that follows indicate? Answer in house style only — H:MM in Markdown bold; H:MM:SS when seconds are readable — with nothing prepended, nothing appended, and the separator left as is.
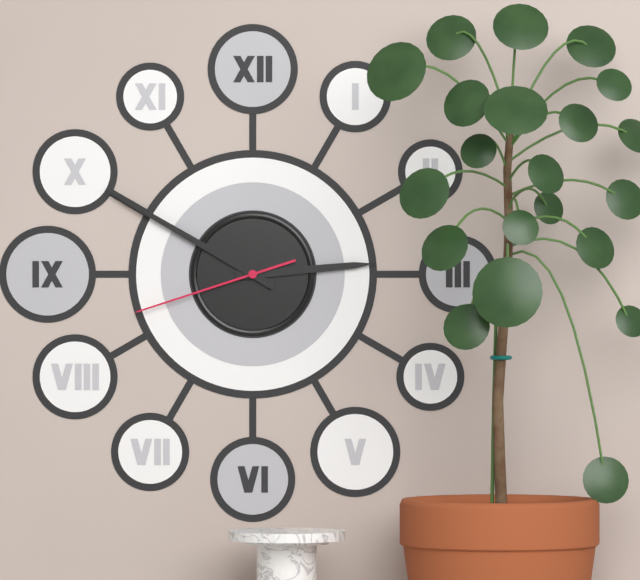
**2:50:42**
